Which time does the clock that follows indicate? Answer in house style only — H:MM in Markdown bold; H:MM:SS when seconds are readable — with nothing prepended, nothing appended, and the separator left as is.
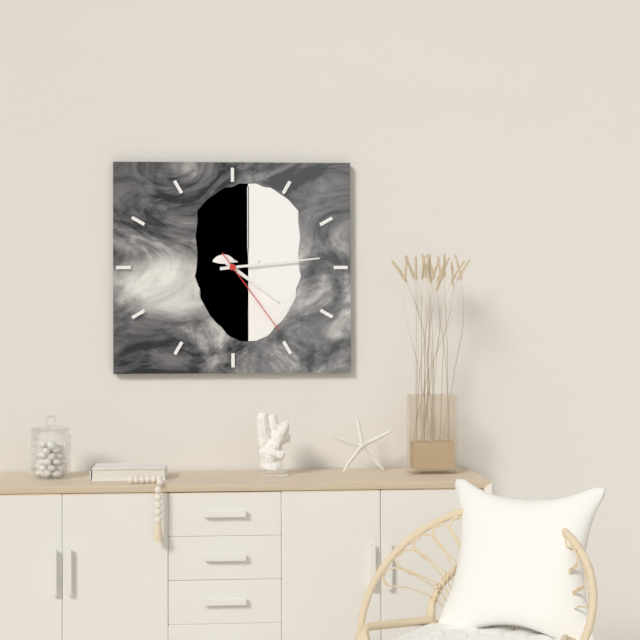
**4:14:24**
